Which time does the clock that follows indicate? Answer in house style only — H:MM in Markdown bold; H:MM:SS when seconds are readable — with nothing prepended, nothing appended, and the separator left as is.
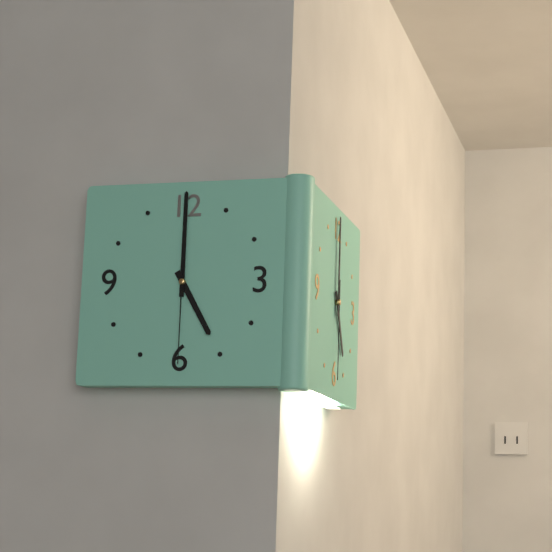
**5:00:30**
